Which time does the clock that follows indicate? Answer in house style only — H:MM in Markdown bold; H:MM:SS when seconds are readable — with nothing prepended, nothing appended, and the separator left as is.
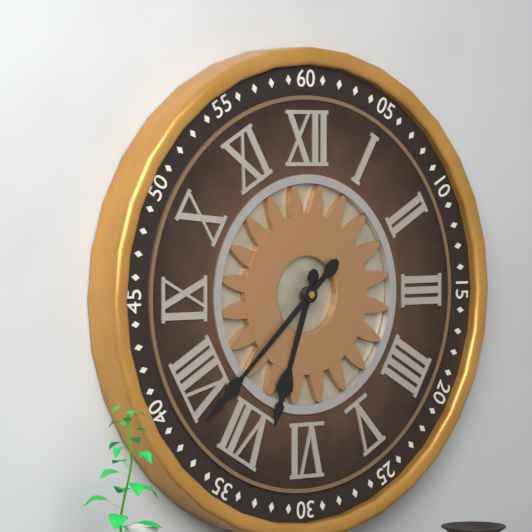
**6:38**
